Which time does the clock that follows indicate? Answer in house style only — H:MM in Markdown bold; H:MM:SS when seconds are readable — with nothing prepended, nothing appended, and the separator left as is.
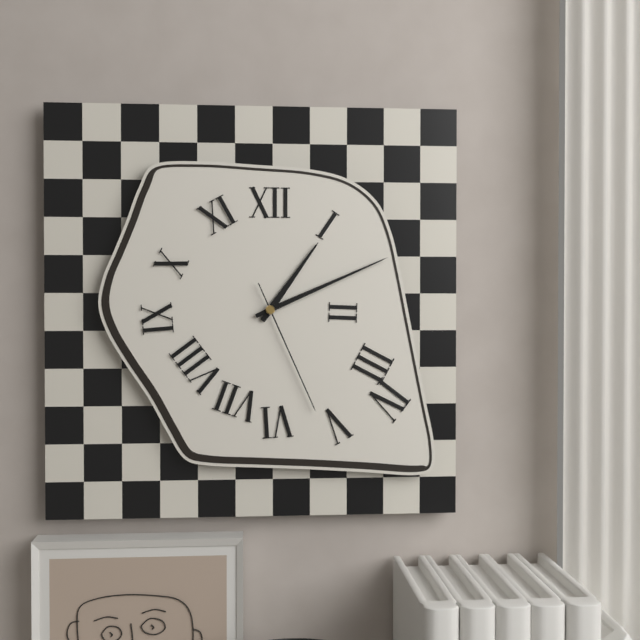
**1:11:26**
